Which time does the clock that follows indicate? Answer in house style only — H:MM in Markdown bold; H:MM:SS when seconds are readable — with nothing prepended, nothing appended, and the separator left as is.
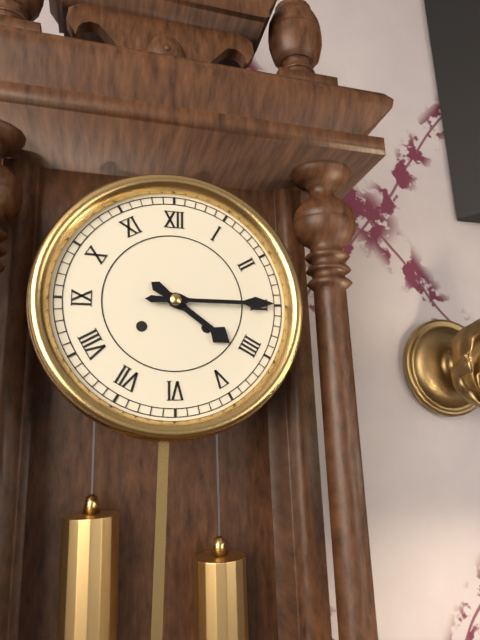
**4:15**
